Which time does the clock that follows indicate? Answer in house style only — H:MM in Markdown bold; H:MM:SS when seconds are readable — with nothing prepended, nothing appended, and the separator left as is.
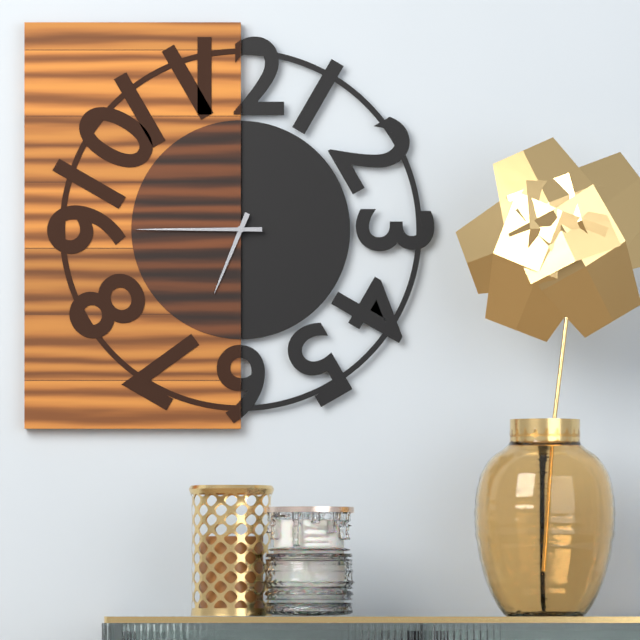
**6:45**
